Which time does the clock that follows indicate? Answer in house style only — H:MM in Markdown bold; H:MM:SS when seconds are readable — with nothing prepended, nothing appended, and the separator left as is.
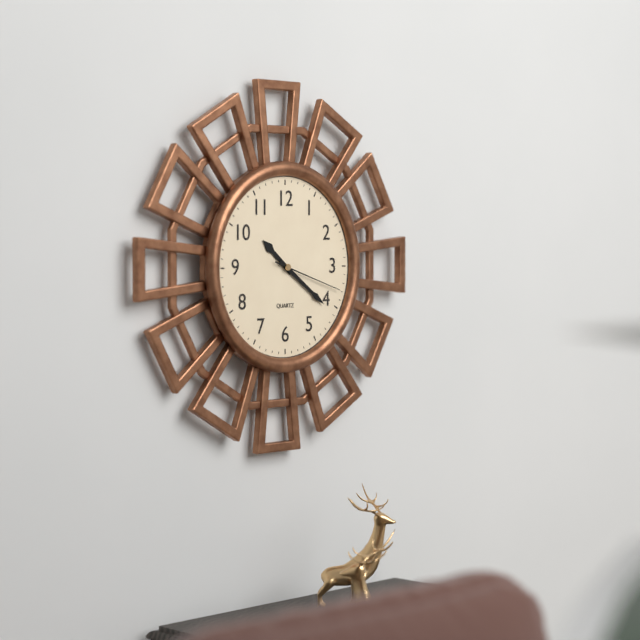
**10:21:18**
